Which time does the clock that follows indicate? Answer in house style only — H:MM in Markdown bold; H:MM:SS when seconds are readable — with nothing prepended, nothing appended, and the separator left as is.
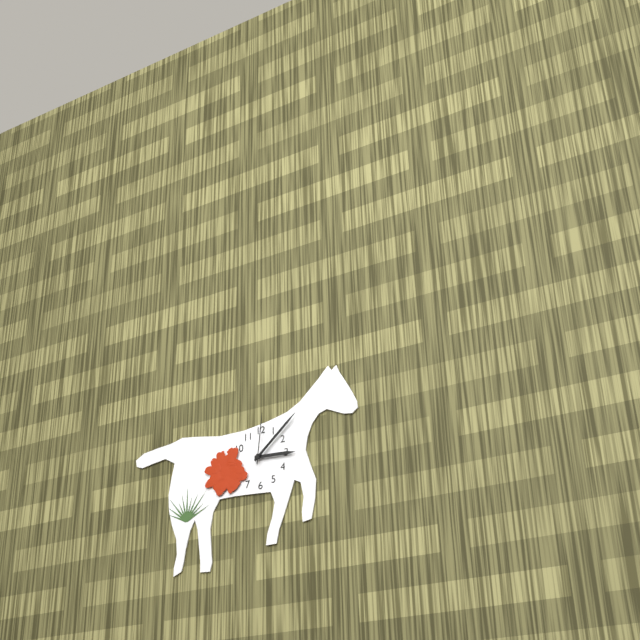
**3:08:01**
